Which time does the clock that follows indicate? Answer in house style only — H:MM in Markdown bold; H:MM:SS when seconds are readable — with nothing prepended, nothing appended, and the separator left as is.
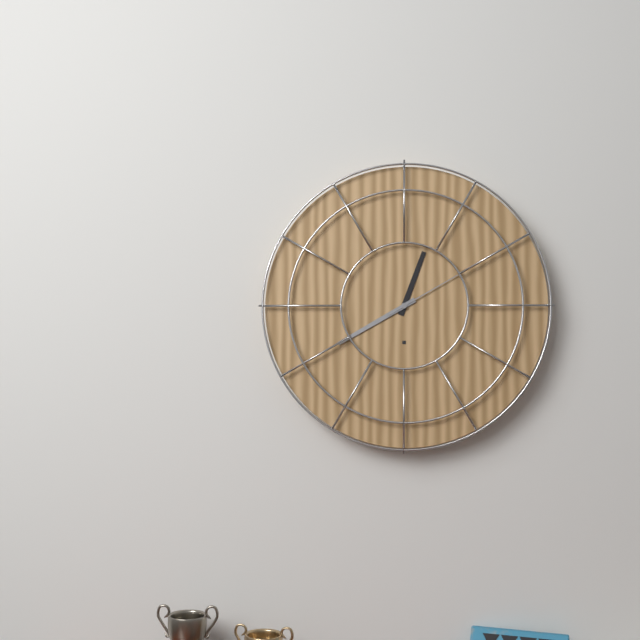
**12:40:10**
